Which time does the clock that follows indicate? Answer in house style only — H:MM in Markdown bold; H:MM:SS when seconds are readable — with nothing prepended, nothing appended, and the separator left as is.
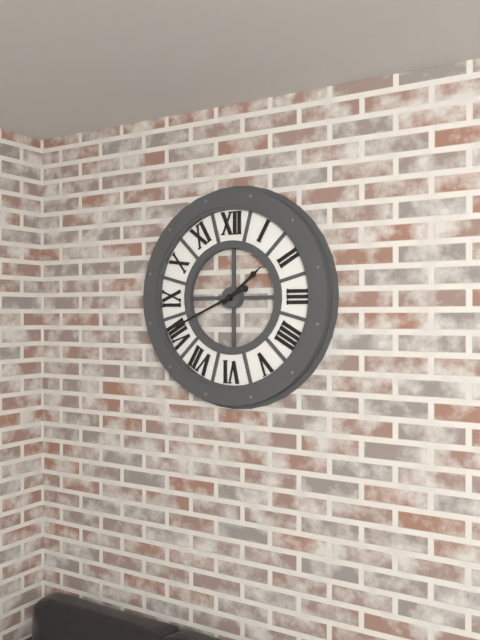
**1:41**
